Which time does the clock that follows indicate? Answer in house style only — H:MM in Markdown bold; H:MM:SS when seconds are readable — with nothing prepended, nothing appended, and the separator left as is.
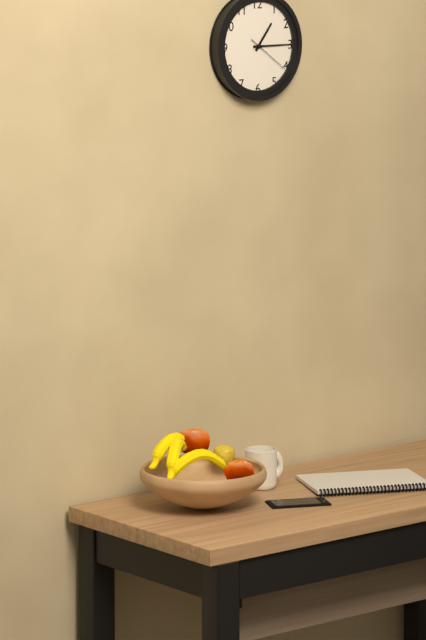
**1:15**
